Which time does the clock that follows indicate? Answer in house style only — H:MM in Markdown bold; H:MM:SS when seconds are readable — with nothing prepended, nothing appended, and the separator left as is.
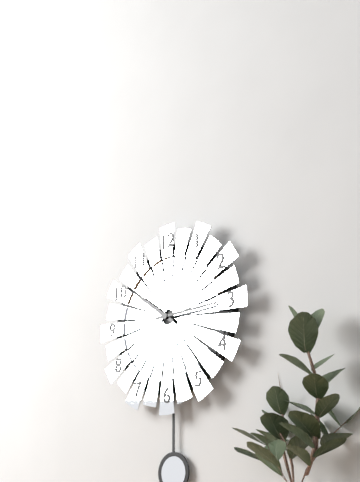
**10:15**
